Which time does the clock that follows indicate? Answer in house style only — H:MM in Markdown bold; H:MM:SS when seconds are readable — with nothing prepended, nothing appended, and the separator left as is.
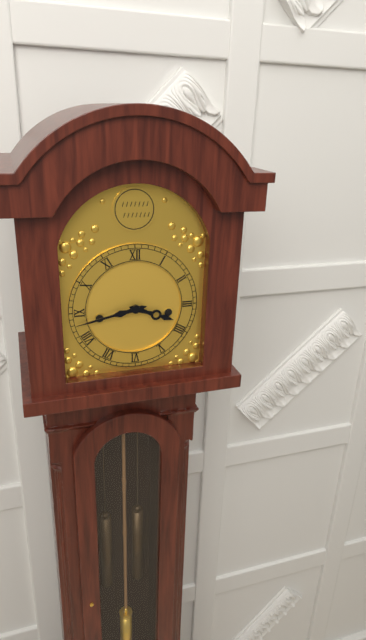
**3:43**
